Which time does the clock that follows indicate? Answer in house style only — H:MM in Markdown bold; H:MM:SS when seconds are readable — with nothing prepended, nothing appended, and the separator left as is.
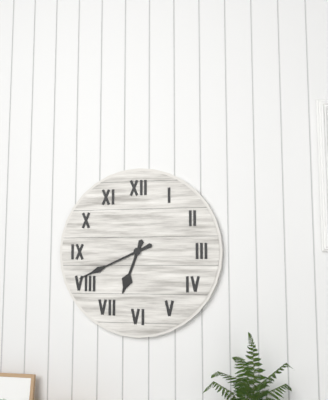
**6:41**
